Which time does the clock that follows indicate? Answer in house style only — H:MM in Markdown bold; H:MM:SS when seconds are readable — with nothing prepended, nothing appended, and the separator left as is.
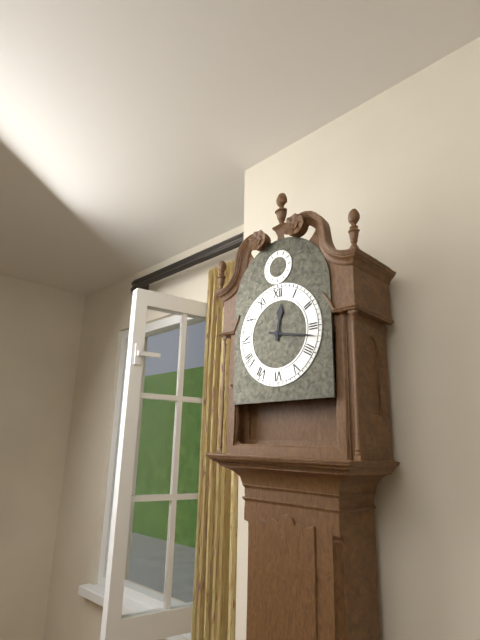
**12:17**
